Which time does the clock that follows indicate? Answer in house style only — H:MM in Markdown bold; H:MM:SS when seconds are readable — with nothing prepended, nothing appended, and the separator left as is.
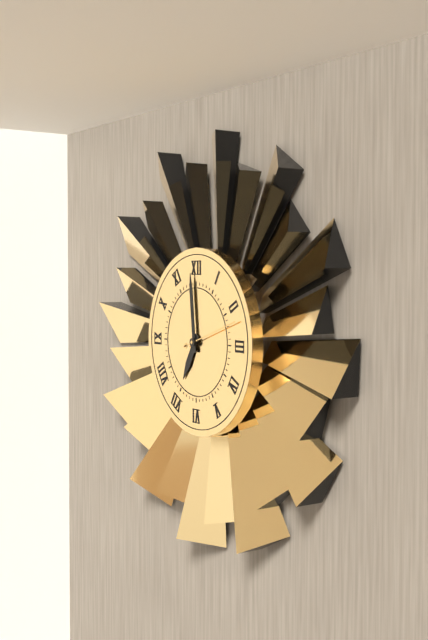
**6:59:12**
